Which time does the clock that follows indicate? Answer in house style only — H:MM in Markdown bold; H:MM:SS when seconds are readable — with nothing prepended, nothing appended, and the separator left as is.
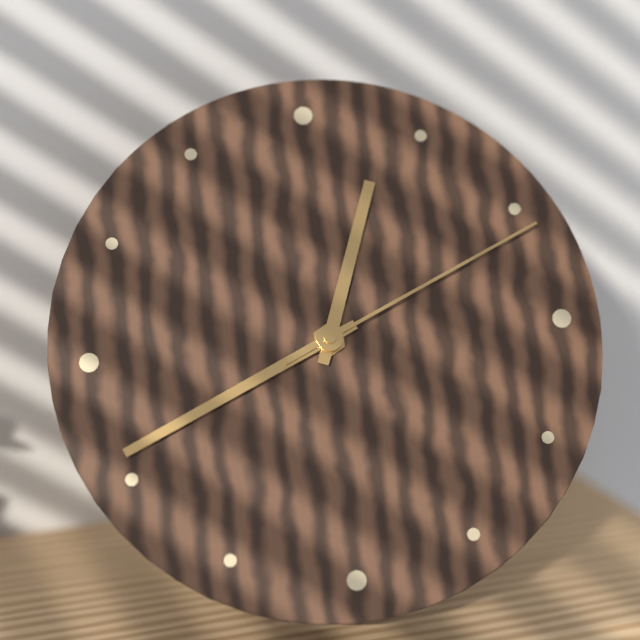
**12:41:11**
